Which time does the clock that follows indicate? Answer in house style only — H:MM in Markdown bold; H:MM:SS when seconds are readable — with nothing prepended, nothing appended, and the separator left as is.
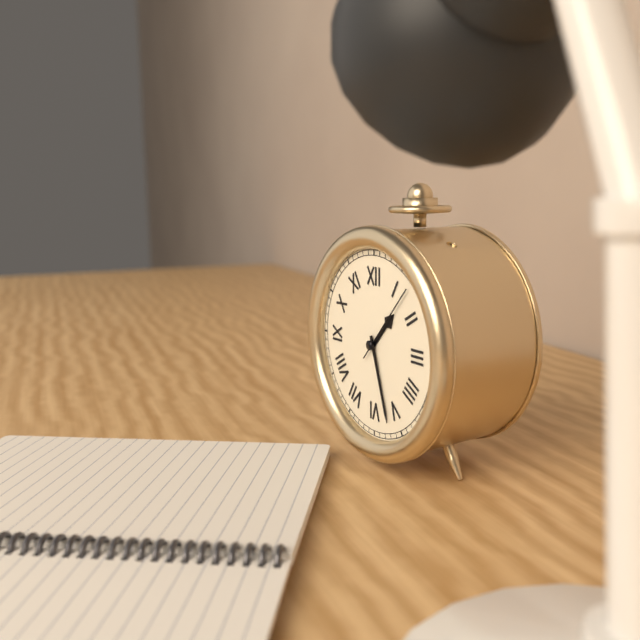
**1:27:07**
